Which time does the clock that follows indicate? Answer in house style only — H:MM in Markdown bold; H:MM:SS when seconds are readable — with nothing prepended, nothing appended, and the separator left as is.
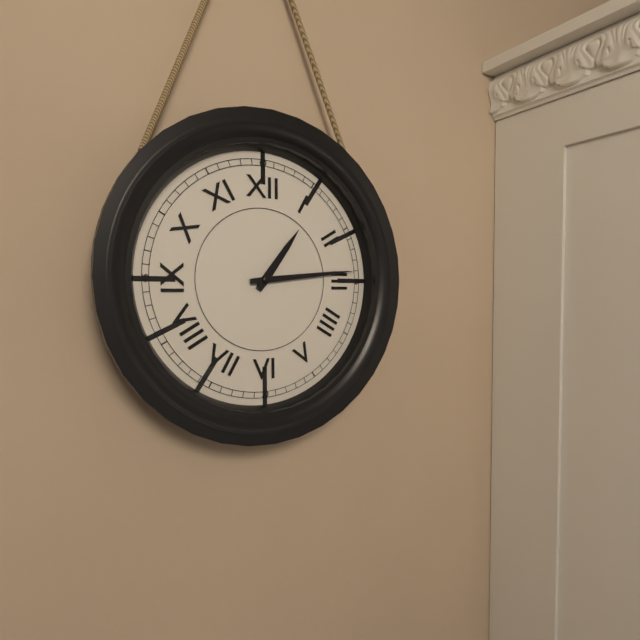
**1:14**
